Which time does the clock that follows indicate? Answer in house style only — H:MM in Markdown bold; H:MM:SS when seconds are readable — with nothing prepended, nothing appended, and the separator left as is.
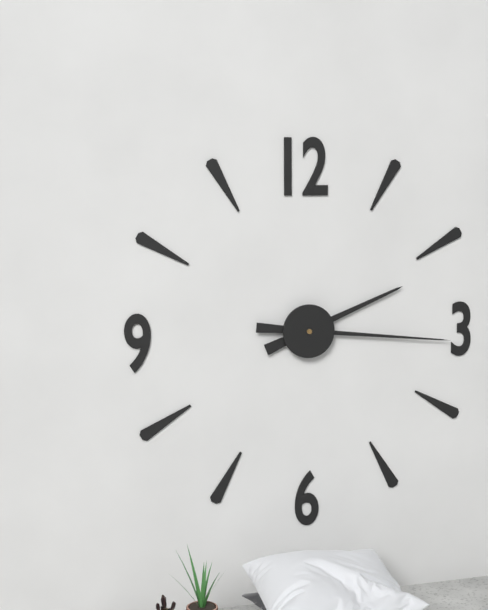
**2:16**
